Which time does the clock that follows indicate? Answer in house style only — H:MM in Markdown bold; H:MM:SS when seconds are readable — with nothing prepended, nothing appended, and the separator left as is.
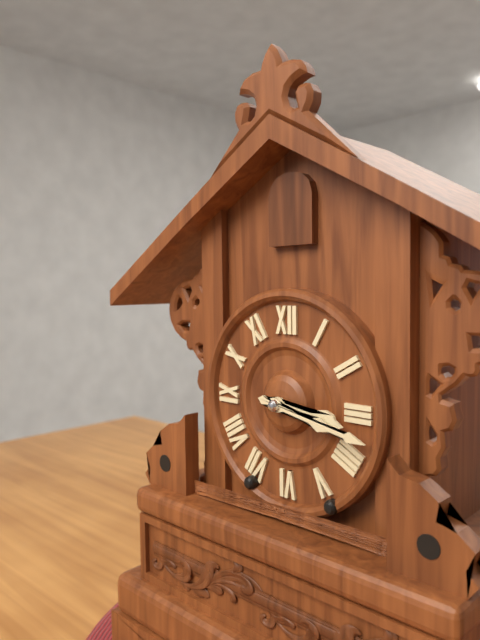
**3:17**
